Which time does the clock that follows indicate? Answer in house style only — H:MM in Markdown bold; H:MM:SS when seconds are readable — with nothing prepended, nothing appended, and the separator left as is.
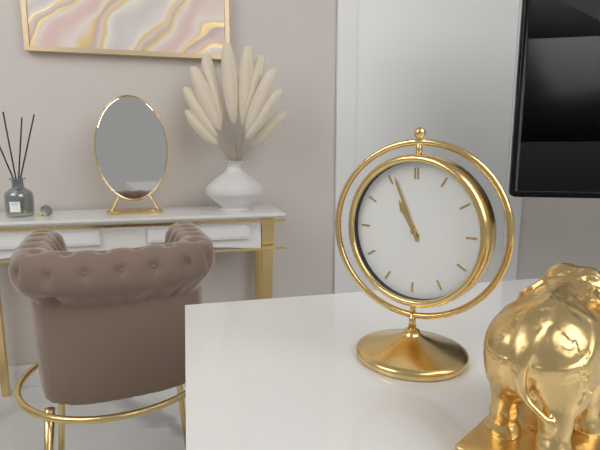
**10:56**
